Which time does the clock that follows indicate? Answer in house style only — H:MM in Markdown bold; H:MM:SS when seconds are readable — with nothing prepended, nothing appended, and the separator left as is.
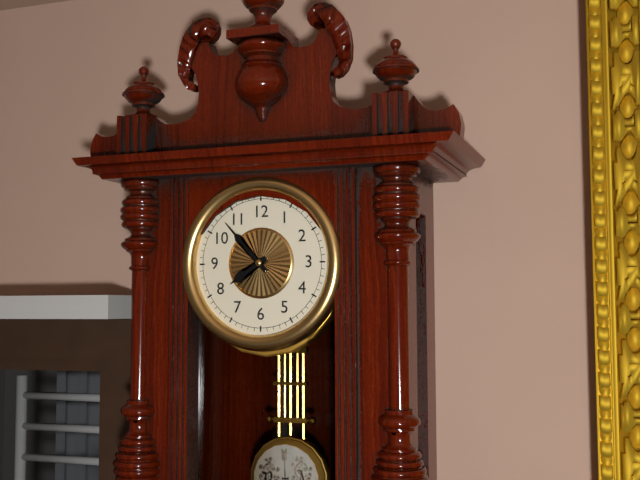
**7:53**
